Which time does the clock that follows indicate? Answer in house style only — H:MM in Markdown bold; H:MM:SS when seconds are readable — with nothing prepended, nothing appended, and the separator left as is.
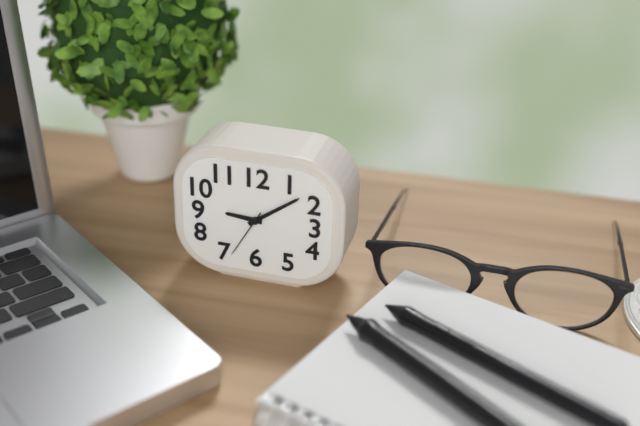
**9:09:35**
